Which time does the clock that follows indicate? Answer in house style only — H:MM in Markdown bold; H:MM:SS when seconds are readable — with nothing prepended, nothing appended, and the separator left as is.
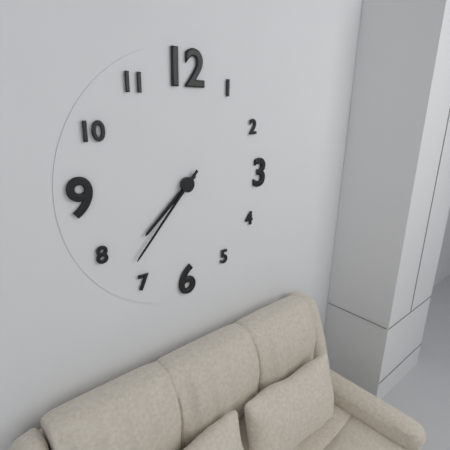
**7:37**
